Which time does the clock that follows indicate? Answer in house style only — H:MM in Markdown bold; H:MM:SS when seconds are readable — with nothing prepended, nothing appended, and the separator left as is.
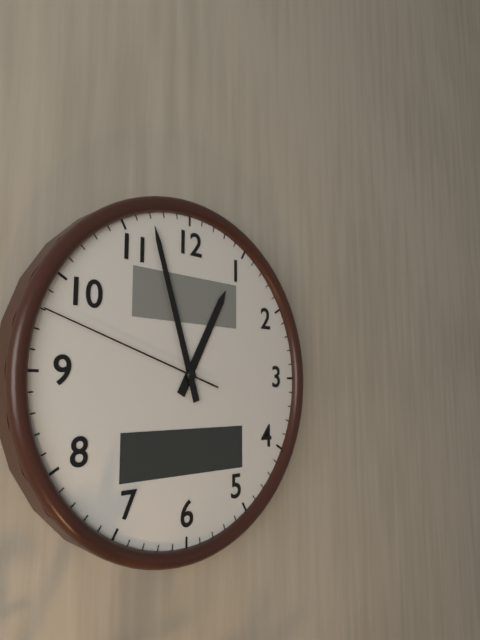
**12:57:48**
